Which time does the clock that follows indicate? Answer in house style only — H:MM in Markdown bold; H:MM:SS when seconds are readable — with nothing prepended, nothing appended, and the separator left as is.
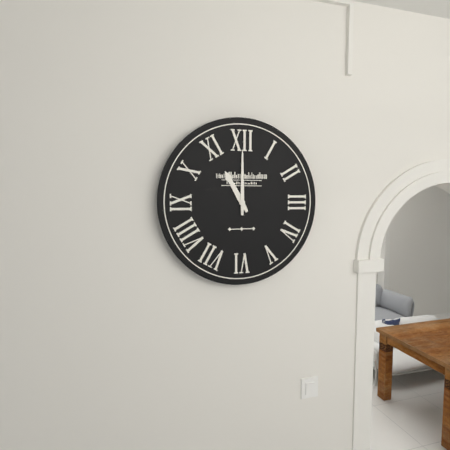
**11:00**
